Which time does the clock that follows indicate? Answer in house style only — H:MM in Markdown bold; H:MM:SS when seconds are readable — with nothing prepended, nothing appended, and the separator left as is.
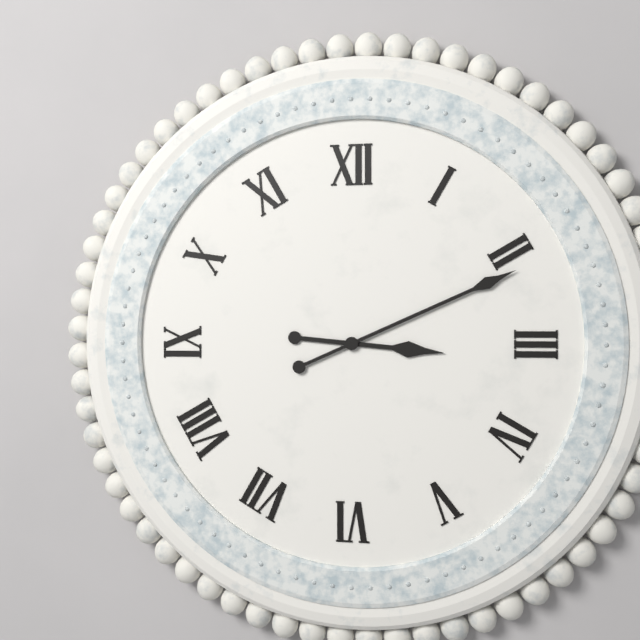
**3:11**
